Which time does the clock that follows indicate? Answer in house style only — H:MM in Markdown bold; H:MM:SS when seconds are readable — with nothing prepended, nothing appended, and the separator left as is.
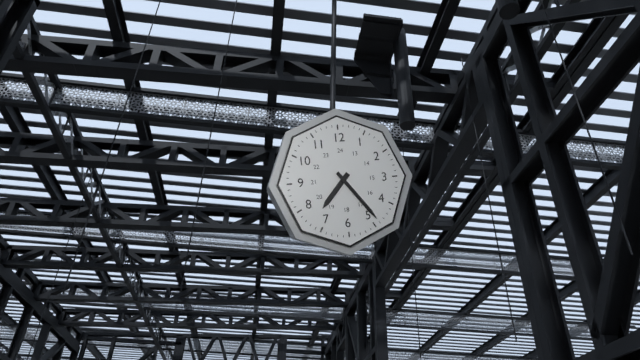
**7:24**
